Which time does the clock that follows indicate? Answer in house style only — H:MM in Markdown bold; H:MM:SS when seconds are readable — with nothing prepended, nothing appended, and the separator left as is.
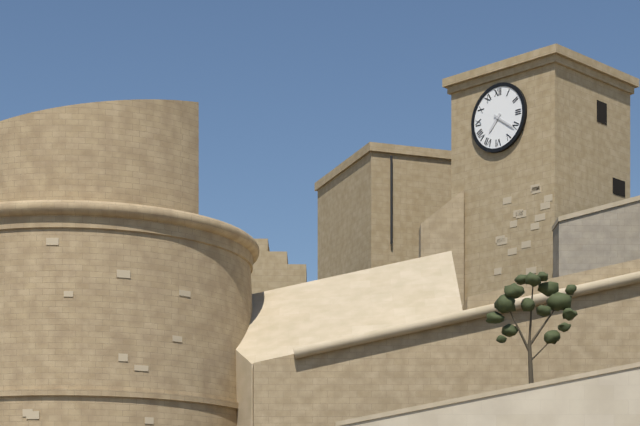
**7:21**
